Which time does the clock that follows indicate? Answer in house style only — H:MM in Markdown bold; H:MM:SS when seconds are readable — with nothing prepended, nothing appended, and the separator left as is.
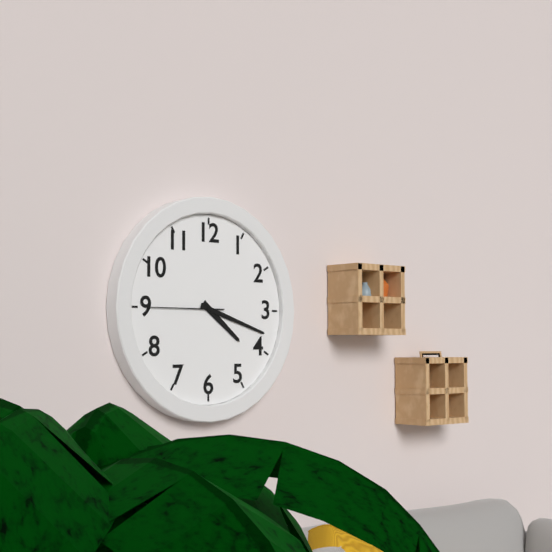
**4:18:45**
